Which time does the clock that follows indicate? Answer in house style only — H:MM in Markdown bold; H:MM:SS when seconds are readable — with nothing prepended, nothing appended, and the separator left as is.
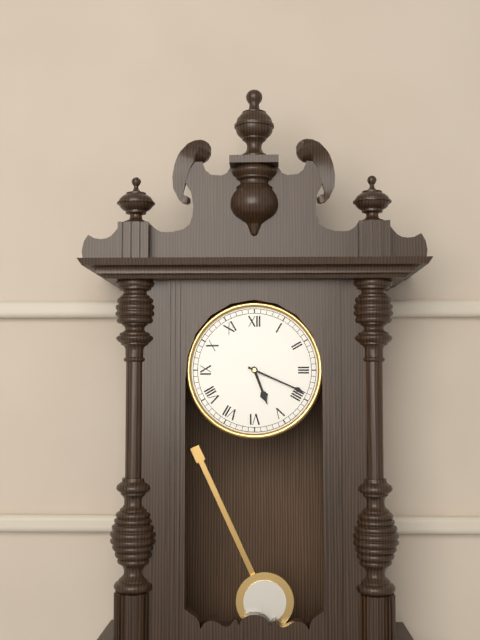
**5:19**
